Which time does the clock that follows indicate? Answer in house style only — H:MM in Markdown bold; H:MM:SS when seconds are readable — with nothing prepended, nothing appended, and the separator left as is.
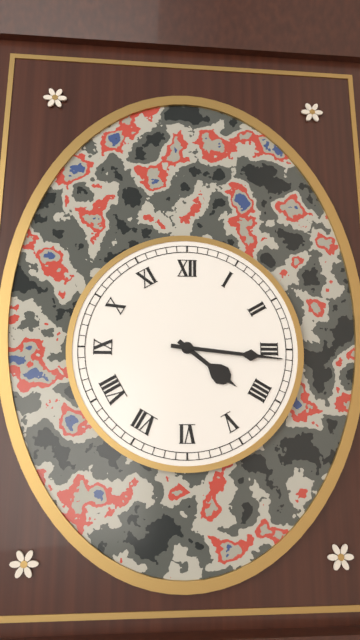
**4:16**
